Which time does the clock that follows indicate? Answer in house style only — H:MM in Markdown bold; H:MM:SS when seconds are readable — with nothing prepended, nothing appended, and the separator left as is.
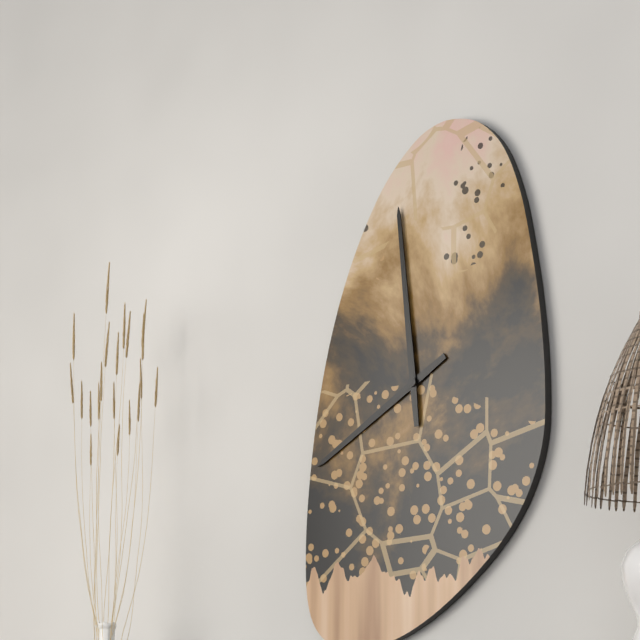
**7:59**
